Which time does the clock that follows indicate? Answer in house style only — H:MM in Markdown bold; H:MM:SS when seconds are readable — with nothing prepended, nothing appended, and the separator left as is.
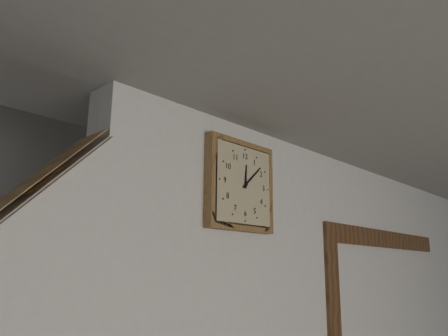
**12:08**
